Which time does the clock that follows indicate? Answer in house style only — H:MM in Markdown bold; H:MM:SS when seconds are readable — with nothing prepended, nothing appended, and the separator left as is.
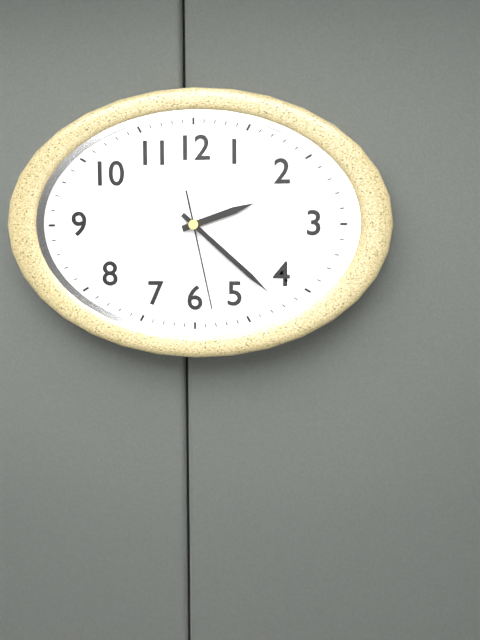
**2:22:28**
